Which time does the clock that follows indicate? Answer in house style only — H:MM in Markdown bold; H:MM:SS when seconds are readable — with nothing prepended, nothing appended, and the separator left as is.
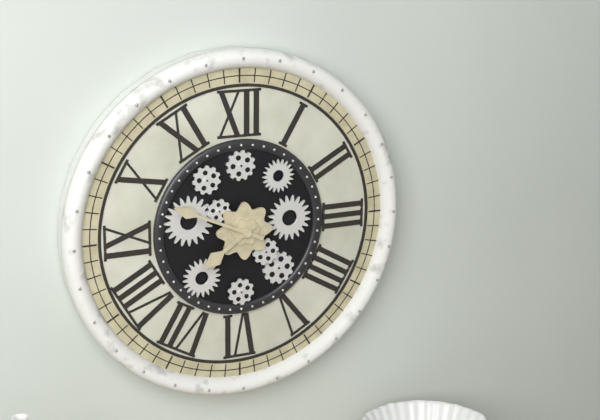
**7:49**
